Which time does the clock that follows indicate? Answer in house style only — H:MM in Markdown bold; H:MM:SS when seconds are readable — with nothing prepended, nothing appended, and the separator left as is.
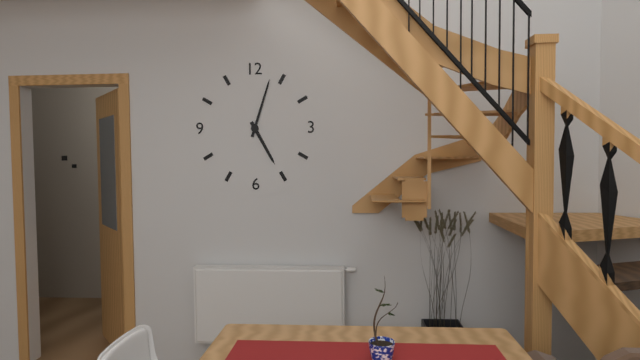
**5:03**
